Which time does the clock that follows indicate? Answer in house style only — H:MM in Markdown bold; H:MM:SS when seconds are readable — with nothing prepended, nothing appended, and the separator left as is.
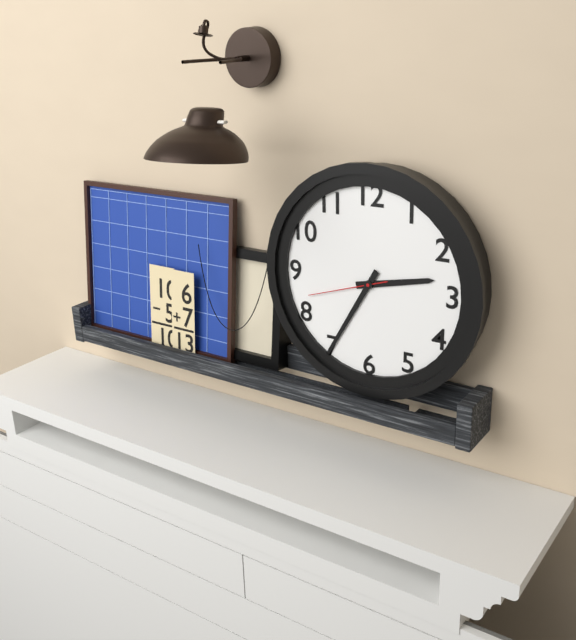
**2:35:42**
